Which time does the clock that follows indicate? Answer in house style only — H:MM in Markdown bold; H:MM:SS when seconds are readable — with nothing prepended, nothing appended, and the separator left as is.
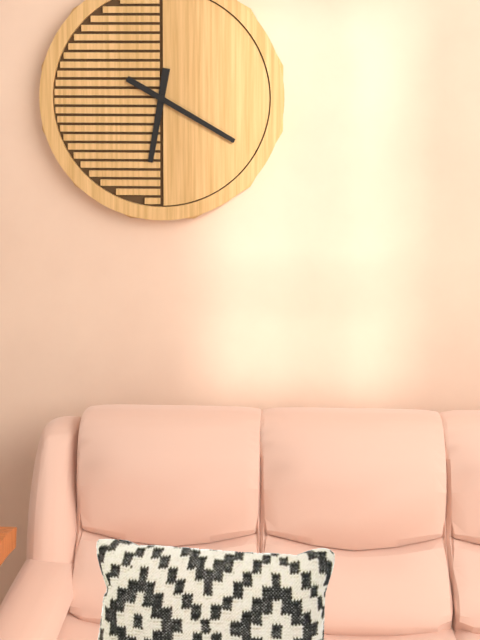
**6:20**
